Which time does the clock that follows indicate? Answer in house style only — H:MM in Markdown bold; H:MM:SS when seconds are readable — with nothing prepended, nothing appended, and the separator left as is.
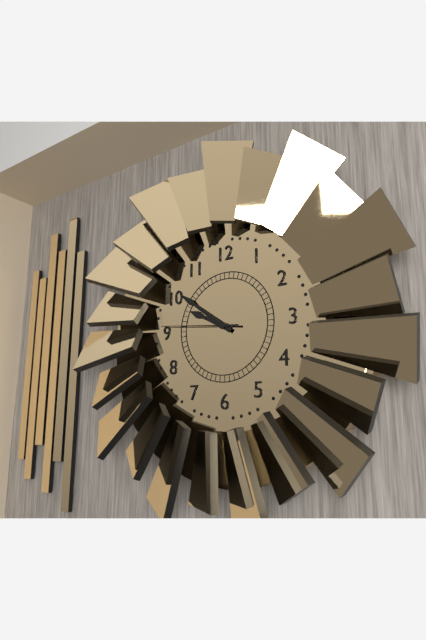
**9:51:46**
